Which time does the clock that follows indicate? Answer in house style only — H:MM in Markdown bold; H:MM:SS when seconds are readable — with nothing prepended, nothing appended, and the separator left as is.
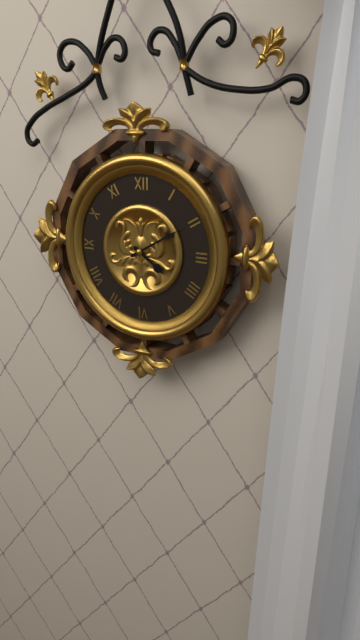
**4:10**
